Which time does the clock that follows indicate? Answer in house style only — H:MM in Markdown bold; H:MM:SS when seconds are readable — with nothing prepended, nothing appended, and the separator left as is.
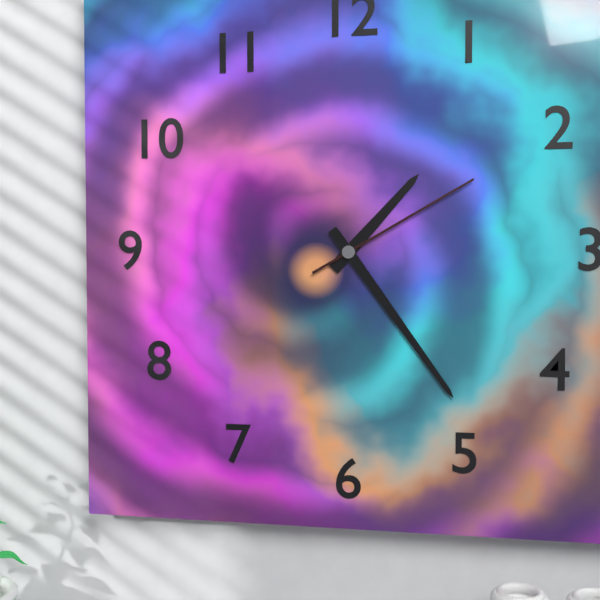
**1:24:10**
